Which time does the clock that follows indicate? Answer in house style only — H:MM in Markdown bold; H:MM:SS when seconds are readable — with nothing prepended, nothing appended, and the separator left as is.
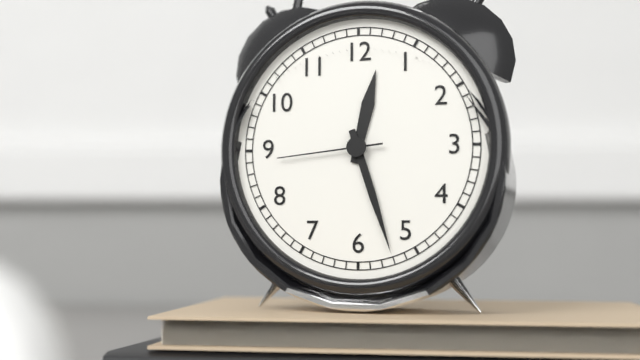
**12:27:44**
